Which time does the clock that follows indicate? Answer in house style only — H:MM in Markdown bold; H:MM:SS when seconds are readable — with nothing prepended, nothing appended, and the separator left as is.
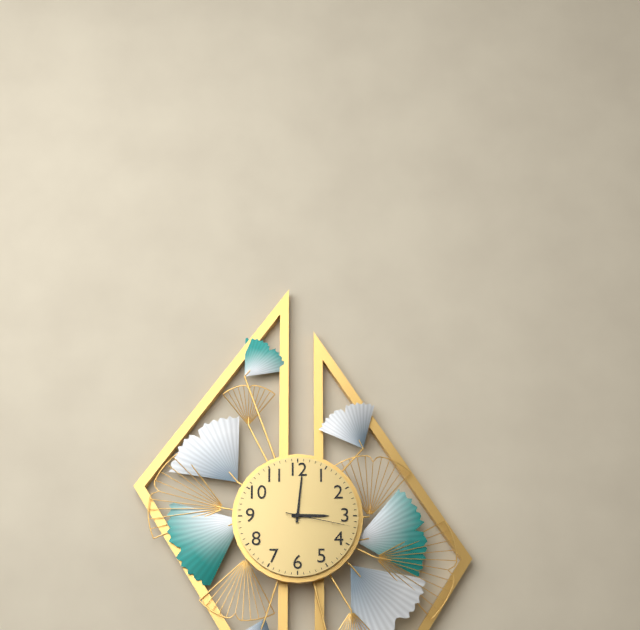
**3:01:17**
